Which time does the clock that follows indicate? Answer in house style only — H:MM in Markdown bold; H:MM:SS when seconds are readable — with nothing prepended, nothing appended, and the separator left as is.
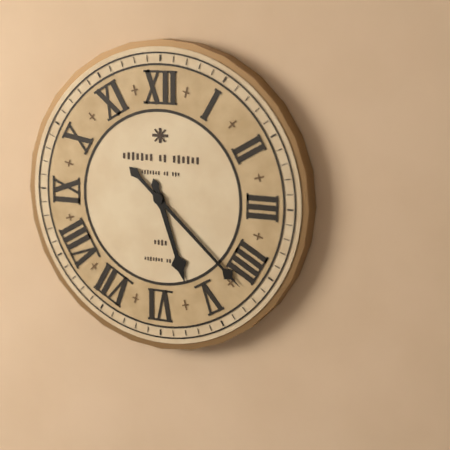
**5:22**
